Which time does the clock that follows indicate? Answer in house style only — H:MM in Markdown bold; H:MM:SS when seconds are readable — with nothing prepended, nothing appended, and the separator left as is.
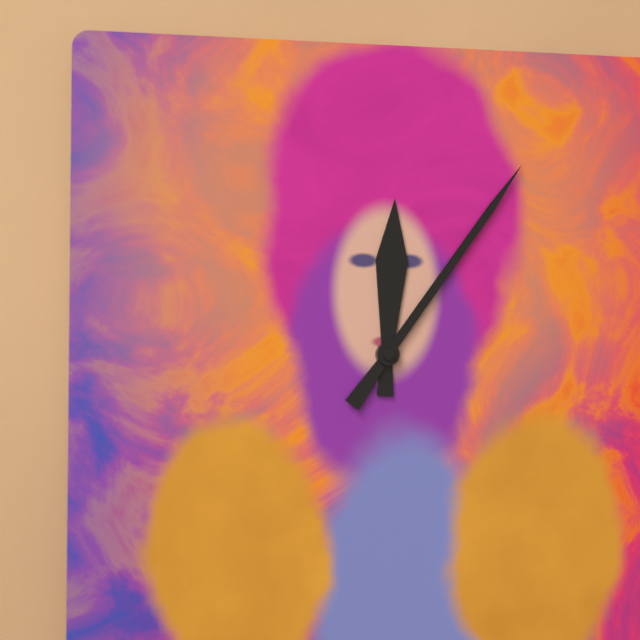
**12:06**
